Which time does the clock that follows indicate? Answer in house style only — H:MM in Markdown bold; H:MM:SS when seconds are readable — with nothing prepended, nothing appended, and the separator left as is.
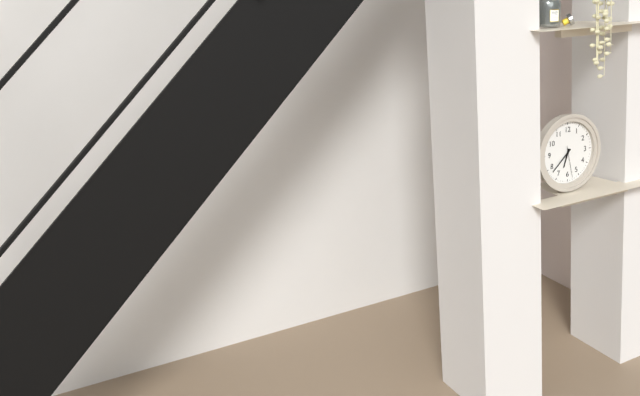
**6:38**
